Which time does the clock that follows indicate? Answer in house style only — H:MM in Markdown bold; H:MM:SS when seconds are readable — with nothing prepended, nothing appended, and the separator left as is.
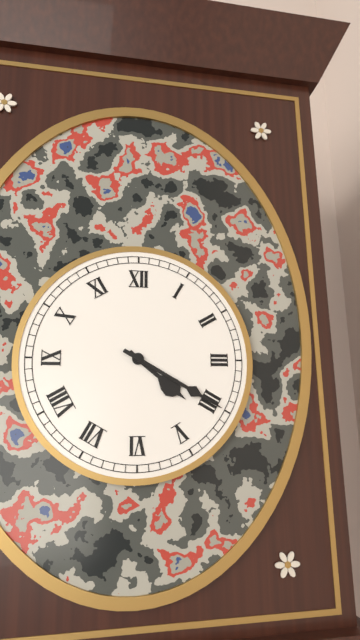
**4:20**
